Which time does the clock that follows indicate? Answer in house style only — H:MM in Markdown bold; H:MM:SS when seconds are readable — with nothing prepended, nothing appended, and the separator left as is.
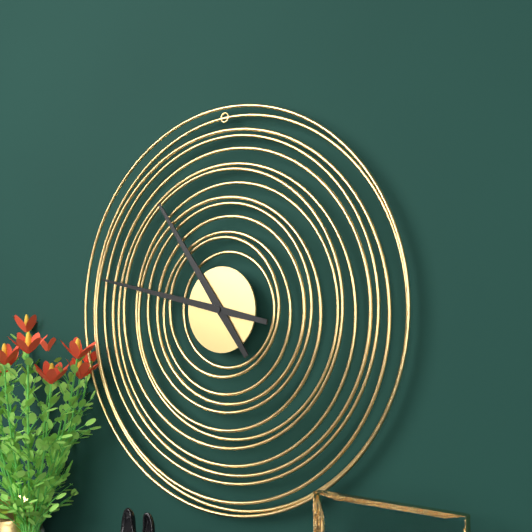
**10:47**
